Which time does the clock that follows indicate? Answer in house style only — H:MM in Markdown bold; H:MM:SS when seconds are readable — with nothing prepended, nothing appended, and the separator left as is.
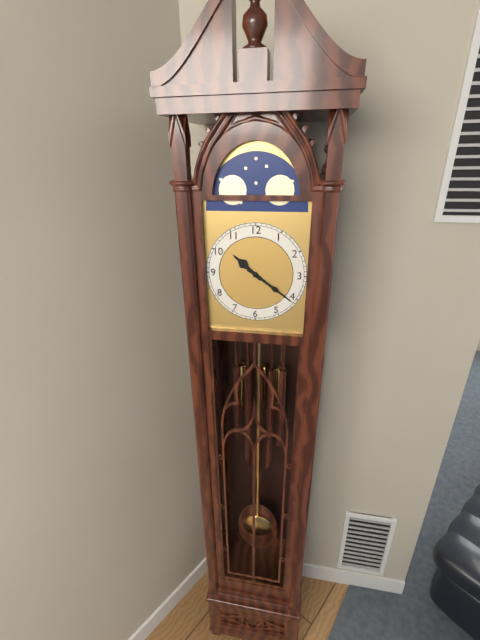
**10:21**
